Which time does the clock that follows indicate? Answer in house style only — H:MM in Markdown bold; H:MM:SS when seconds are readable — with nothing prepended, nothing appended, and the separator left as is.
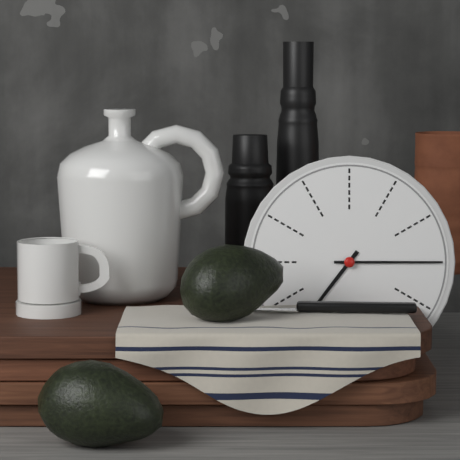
**7:15**
